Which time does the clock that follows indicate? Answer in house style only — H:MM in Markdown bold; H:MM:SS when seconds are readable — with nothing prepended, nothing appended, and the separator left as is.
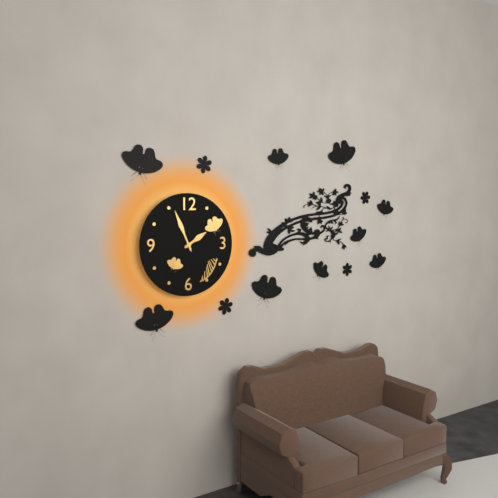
**1:56**
